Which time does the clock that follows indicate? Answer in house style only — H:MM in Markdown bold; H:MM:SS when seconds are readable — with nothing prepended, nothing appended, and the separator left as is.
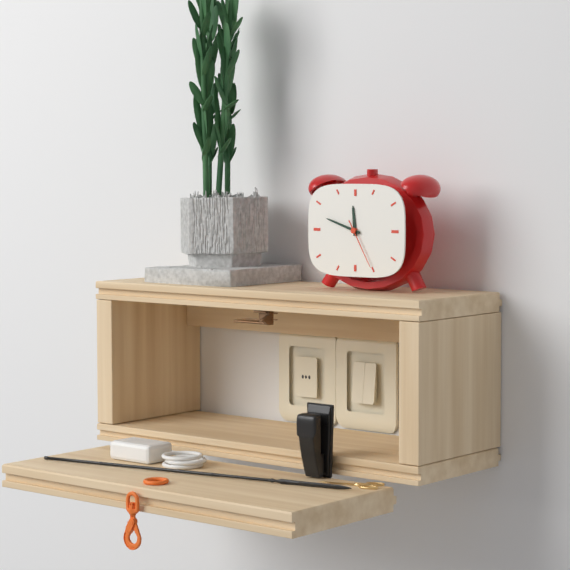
**11:48:25**
